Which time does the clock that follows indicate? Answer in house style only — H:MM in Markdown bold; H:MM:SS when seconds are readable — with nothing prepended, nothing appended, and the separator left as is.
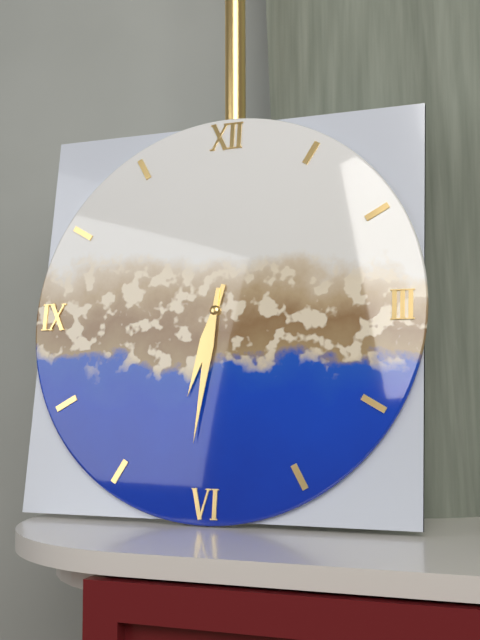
**6:31**
